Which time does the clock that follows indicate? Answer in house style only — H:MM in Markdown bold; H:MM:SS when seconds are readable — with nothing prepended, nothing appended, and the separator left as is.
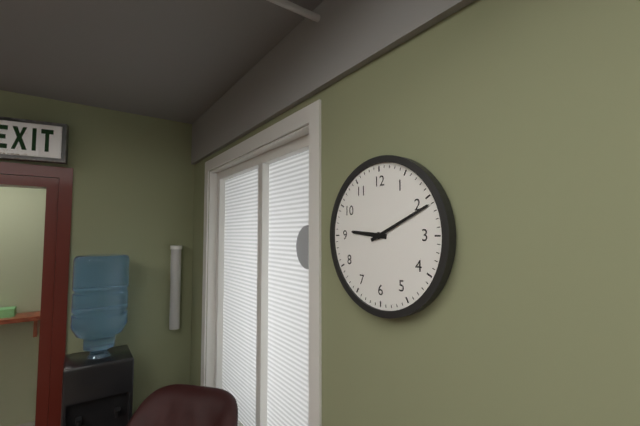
**9:11**
